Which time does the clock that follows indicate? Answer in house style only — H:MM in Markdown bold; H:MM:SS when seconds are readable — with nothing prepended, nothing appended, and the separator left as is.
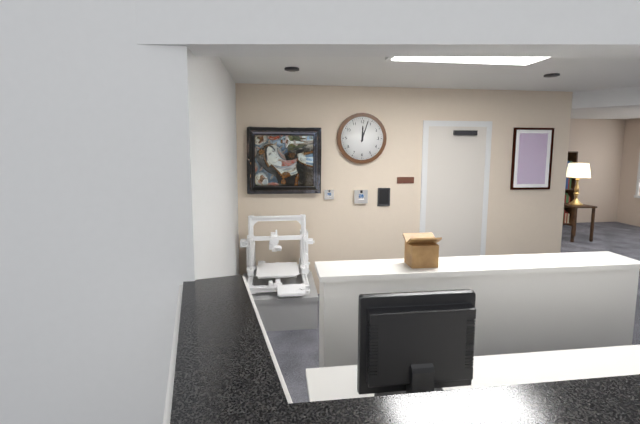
**12:03**
